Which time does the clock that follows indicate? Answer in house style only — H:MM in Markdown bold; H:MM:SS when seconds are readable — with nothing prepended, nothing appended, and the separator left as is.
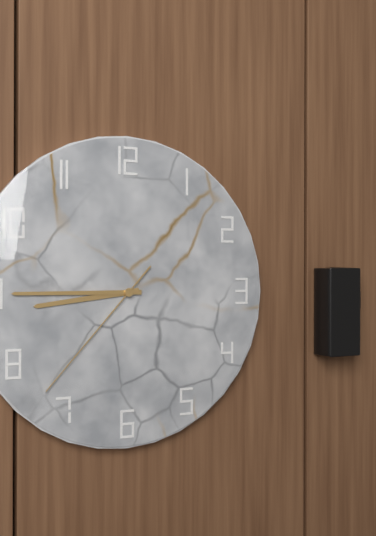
**8:45:37**
